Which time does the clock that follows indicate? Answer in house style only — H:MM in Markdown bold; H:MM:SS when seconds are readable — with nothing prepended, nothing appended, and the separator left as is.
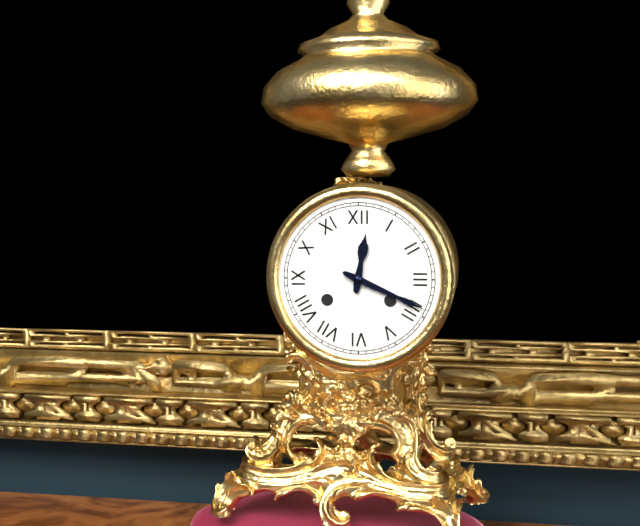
**12:19**
